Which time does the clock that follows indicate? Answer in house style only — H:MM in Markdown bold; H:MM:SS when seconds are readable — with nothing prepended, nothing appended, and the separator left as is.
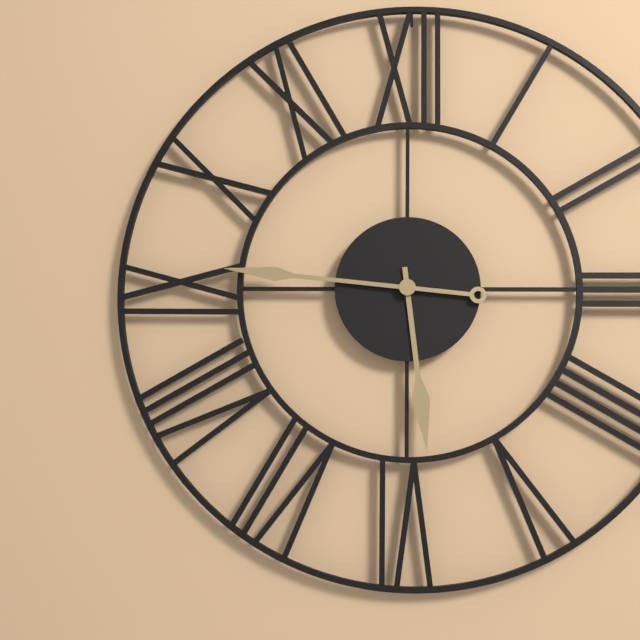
**5:46**
